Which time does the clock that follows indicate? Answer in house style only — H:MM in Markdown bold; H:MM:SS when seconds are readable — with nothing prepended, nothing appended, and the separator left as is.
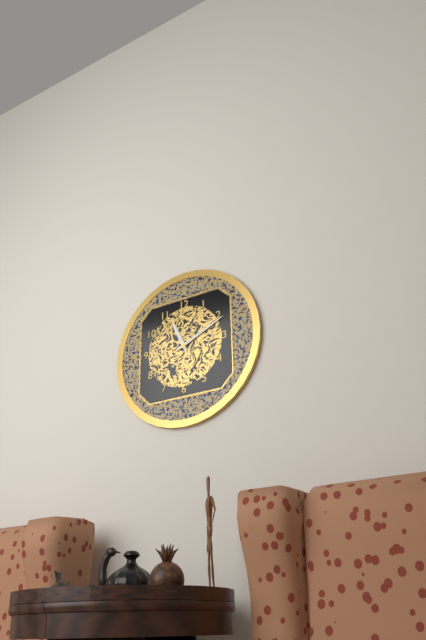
**11:11**
